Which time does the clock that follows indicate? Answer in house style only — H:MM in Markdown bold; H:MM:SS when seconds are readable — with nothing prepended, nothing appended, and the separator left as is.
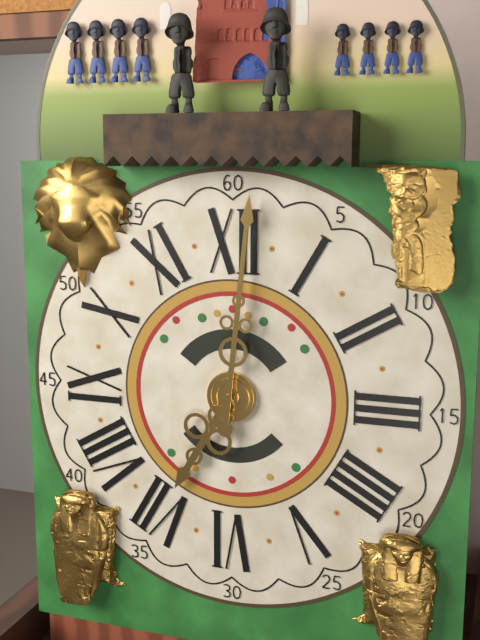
**7:01**
